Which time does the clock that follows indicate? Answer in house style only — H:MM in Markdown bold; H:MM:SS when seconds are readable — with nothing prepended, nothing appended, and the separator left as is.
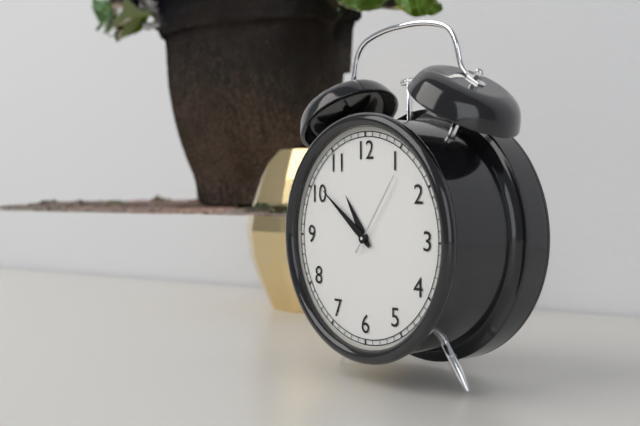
**10:51:06**
